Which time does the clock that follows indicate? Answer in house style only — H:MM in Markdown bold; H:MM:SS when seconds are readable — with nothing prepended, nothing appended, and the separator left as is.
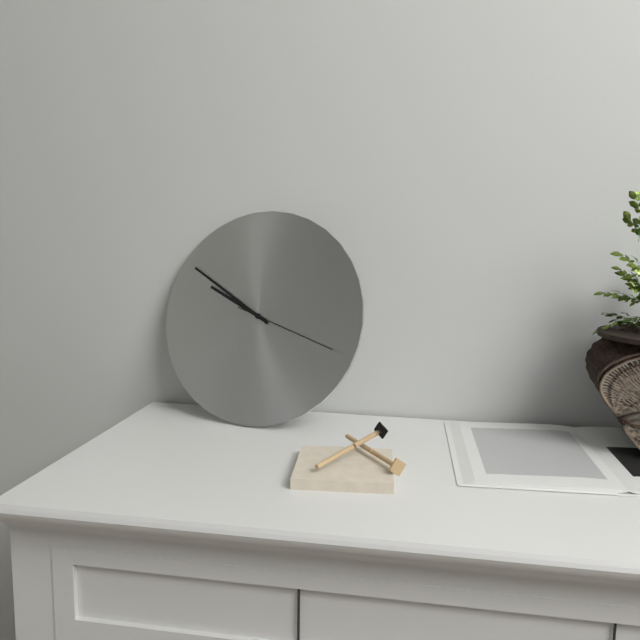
**9:50:18**
